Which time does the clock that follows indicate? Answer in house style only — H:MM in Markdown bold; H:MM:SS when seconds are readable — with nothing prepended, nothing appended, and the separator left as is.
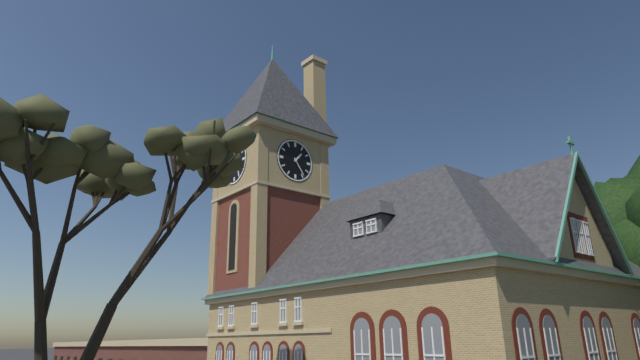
**1:24**
